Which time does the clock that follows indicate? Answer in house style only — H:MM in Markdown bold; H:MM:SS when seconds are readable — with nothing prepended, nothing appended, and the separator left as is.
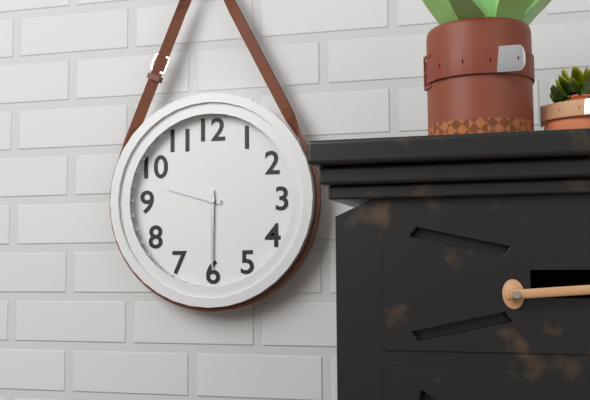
**9:30**
